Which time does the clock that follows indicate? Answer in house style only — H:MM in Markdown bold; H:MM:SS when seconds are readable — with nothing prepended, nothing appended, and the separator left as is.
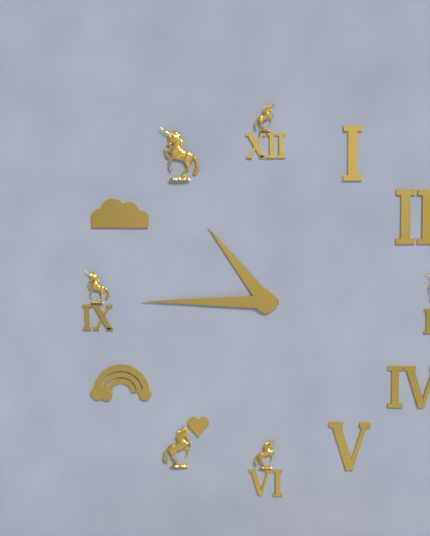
**10:45**
